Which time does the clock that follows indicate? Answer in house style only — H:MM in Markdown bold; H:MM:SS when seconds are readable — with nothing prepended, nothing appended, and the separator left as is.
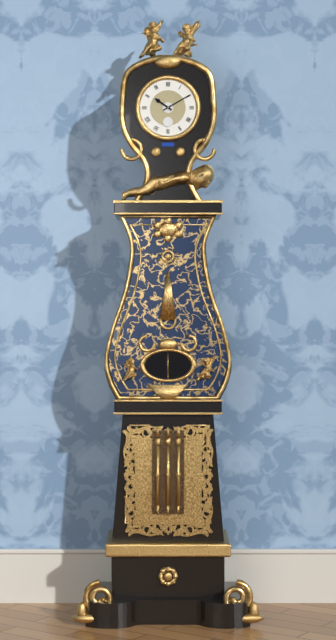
**10:10**
